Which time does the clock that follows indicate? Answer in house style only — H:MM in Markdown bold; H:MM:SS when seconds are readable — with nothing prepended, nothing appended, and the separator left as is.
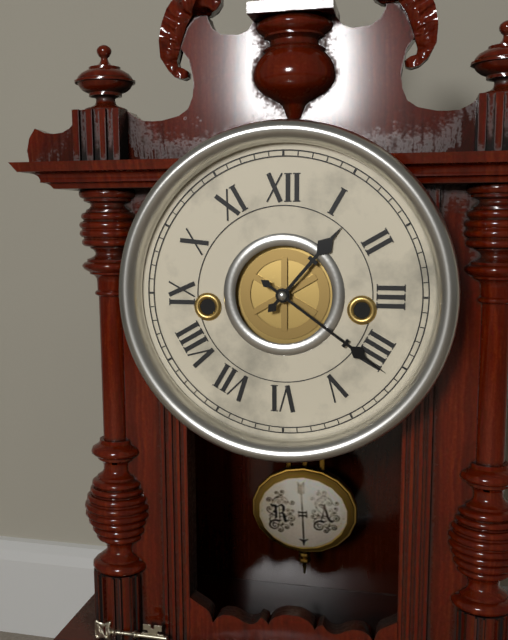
**1:21**
